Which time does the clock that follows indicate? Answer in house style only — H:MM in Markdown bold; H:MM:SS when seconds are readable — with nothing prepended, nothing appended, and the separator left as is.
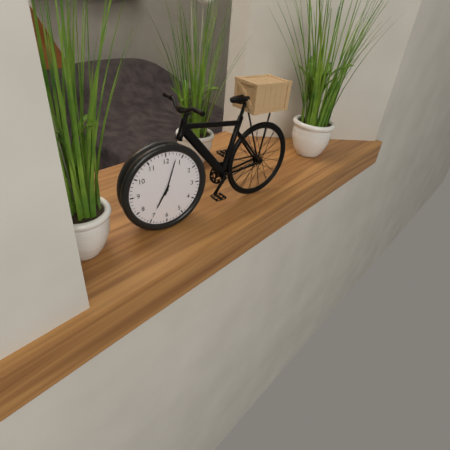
**7:03**
